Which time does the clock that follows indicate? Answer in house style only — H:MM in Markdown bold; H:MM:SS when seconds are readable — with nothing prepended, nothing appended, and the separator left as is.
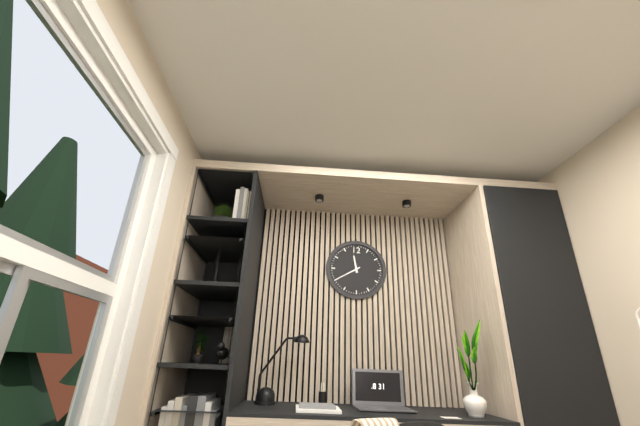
**11:40**
